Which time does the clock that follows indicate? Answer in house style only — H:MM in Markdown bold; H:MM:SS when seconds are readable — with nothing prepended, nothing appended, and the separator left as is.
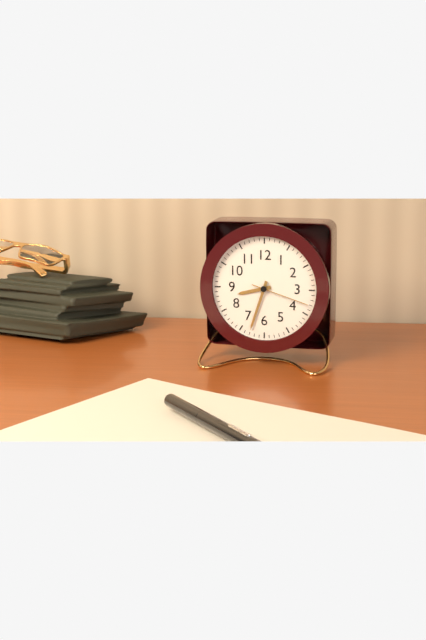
**8:33:18**
